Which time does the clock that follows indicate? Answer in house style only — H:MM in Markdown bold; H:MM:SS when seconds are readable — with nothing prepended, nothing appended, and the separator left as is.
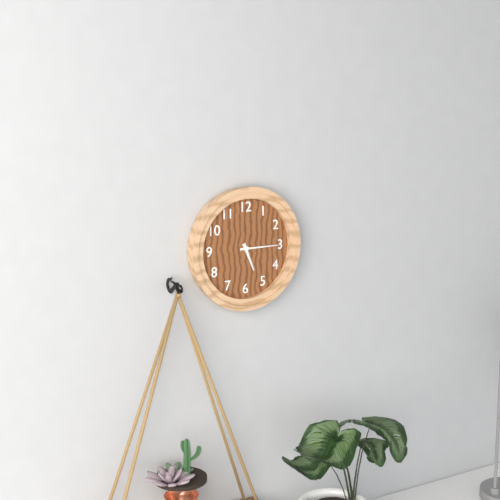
**5:15**
